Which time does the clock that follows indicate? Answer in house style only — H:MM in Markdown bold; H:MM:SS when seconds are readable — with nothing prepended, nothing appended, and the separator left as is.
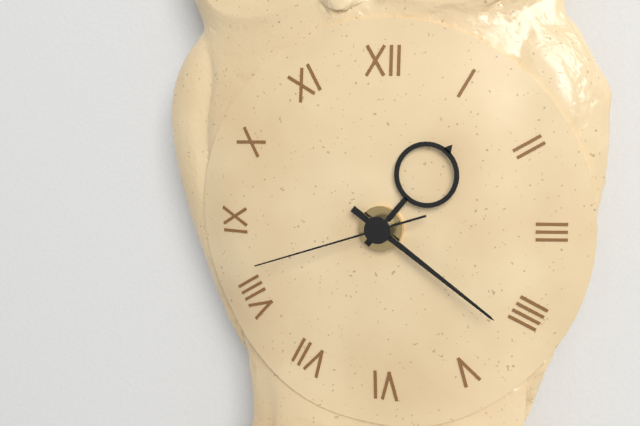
**1:21:42**
